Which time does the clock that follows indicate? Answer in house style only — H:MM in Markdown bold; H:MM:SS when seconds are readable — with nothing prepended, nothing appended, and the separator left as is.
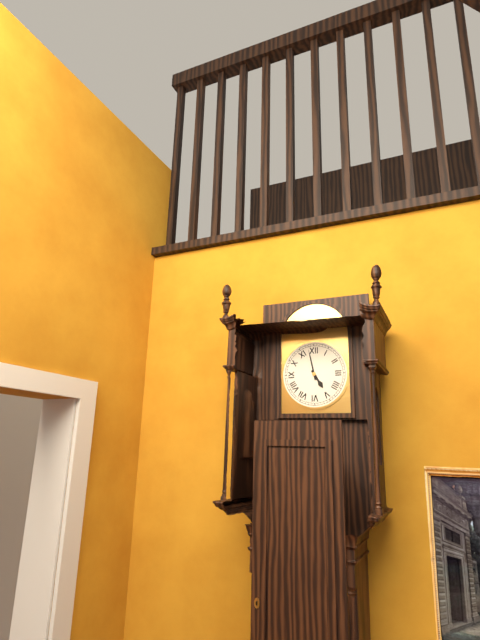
**4:58**
